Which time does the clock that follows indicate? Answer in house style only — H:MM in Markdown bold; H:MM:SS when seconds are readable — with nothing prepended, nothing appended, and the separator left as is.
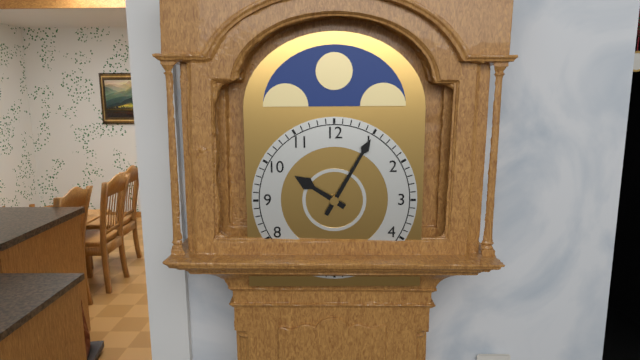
**10:05**
